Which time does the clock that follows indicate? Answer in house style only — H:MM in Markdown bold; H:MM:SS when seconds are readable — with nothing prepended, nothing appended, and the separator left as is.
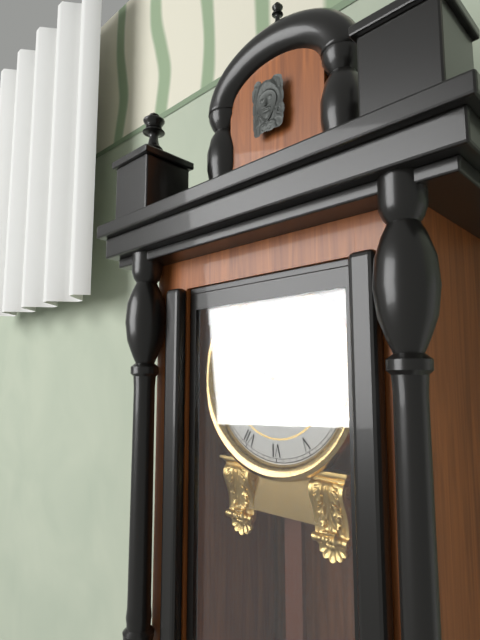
**3:18**
